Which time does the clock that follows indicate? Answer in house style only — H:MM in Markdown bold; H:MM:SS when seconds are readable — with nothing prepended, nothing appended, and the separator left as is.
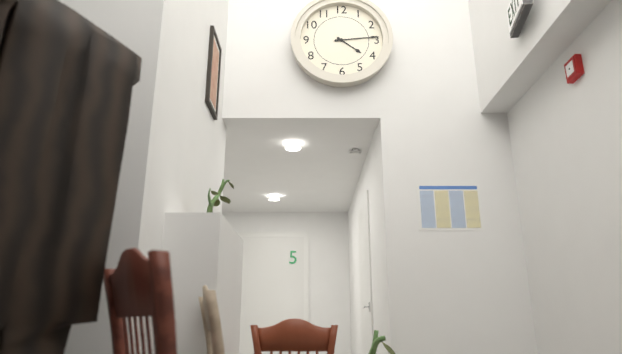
**4:14**
